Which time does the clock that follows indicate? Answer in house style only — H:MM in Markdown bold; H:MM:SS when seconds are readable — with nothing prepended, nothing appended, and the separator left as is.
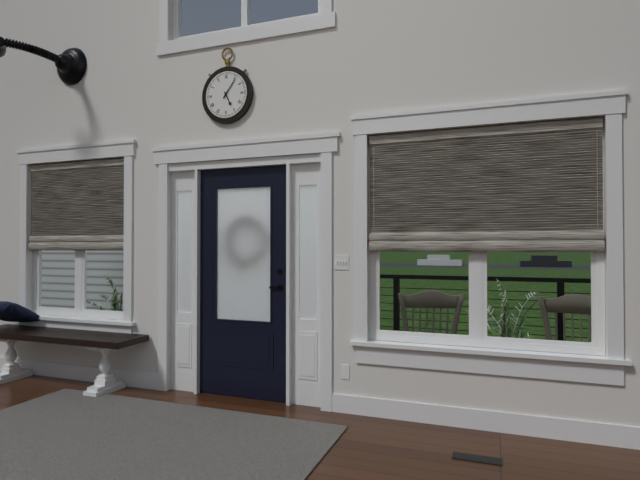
**5:06**
